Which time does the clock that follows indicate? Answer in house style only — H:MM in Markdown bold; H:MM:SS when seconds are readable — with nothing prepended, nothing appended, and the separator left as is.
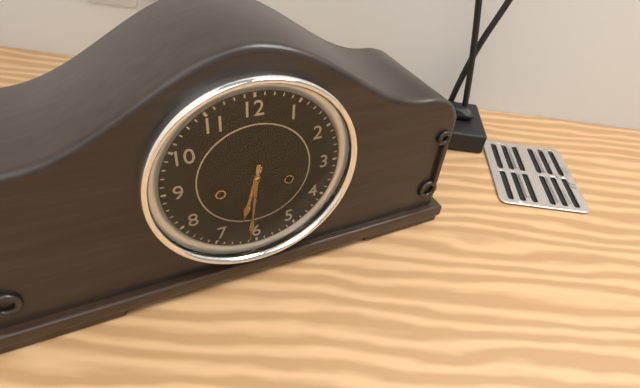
**6:31**
